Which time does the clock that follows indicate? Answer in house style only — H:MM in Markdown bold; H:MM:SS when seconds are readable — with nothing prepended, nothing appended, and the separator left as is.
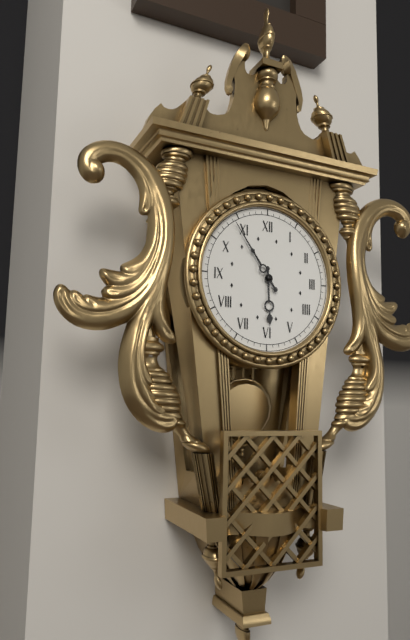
**5:54**
